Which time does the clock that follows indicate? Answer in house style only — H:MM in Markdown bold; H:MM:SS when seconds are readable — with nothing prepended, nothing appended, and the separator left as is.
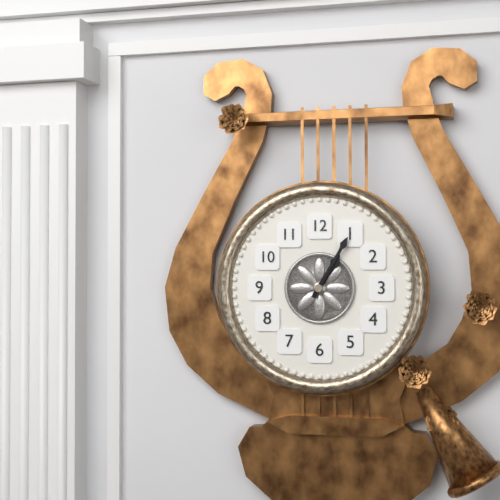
**1:05**
